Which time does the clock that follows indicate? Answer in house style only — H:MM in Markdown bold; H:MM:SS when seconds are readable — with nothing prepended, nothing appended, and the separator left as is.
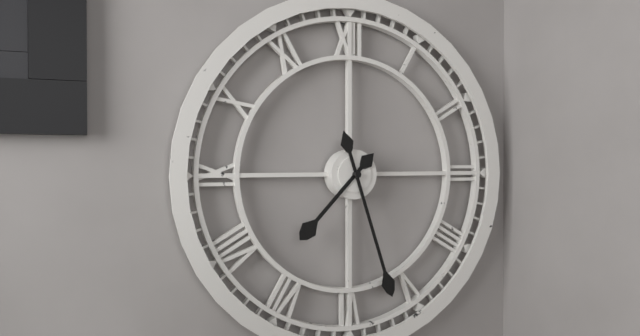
**7:27**
